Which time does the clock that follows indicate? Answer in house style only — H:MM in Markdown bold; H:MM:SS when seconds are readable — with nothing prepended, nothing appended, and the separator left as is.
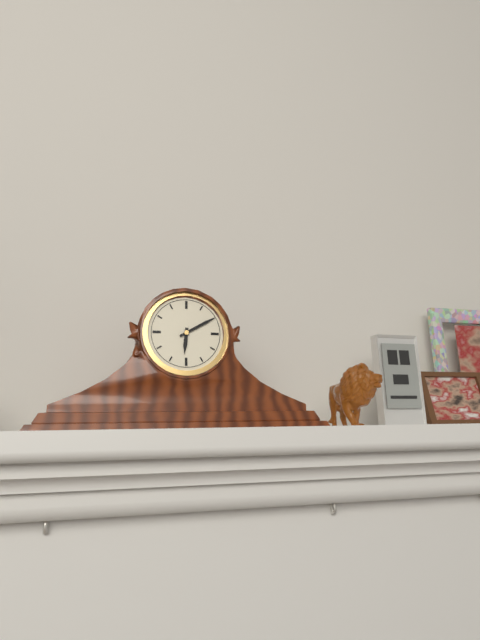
**6:10**
